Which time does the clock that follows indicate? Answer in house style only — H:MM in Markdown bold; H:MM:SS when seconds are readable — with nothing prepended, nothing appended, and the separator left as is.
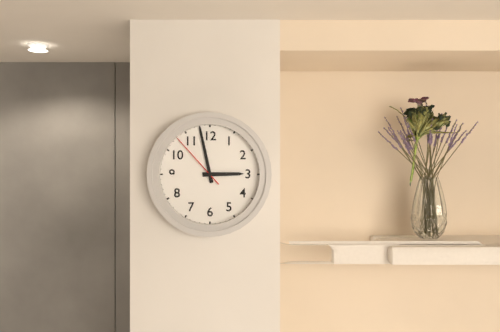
**2:58:53**
